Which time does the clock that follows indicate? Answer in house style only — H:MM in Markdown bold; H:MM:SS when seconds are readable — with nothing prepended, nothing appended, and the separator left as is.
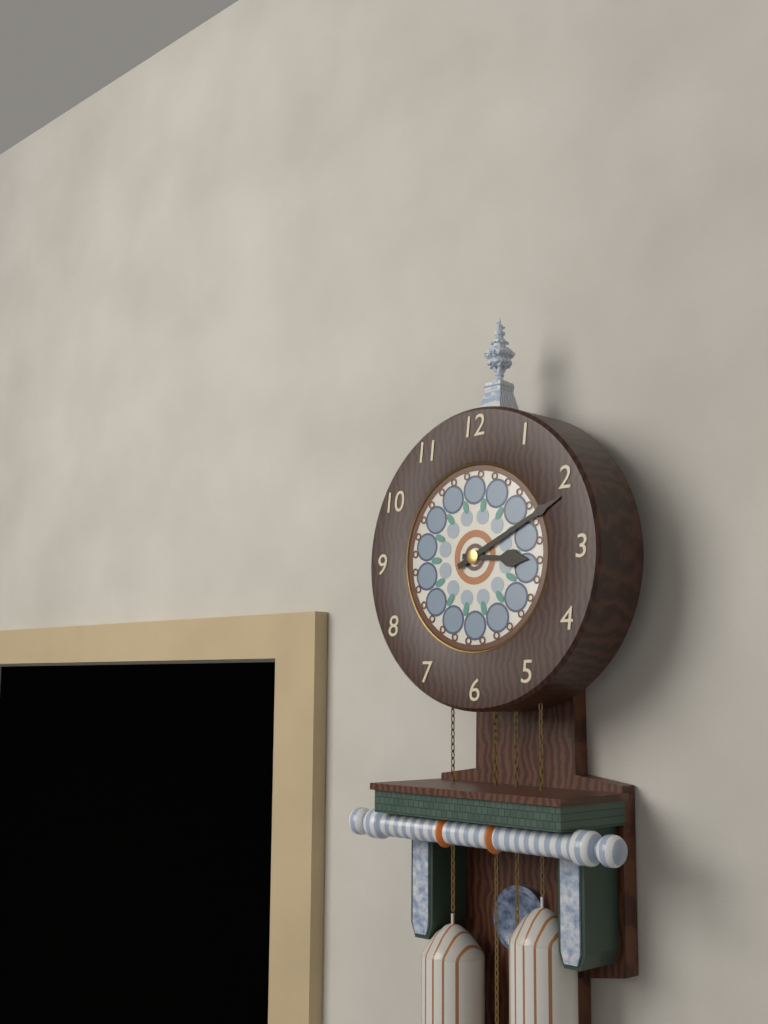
**3:11**
